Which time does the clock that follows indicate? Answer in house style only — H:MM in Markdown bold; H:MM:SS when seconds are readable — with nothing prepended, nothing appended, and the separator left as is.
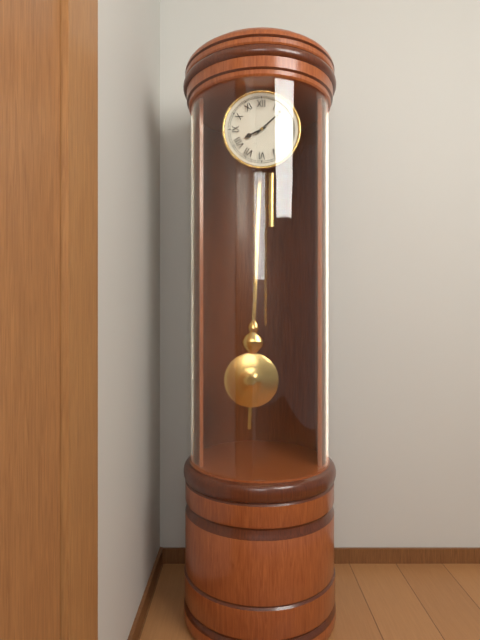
**8:08**
